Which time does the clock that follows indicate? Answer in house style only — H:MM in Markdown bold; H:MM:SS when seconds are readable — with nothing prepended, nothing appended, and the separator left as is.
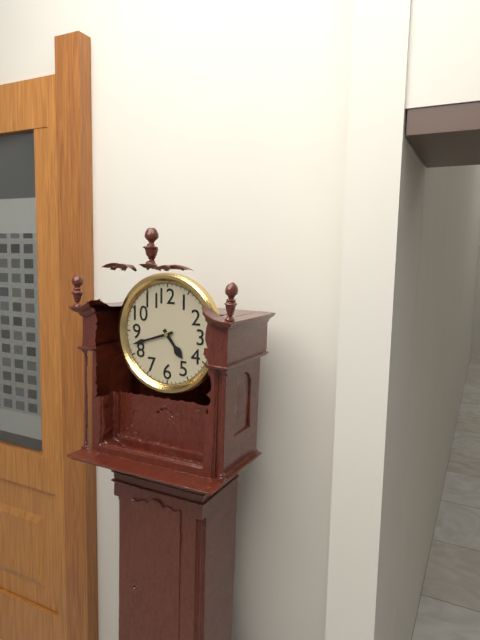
**4:42**
